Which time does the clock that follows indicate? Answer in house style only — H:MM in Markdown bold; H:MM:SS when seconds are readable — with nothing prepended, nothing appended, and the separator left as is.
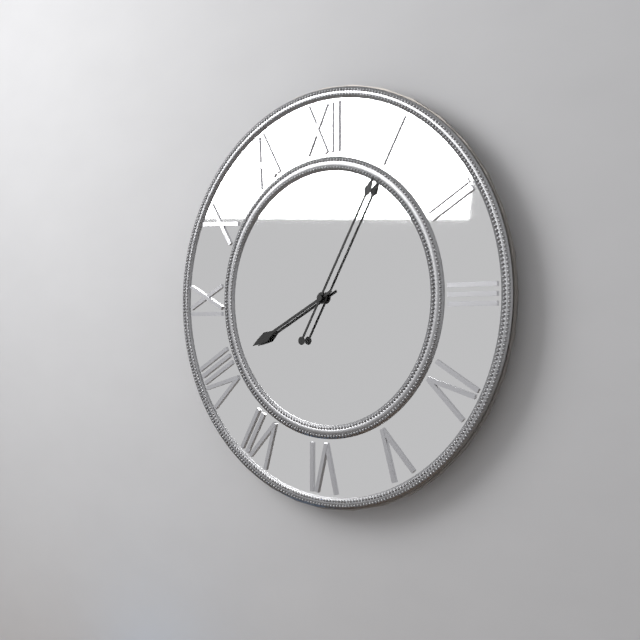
**8:05**
